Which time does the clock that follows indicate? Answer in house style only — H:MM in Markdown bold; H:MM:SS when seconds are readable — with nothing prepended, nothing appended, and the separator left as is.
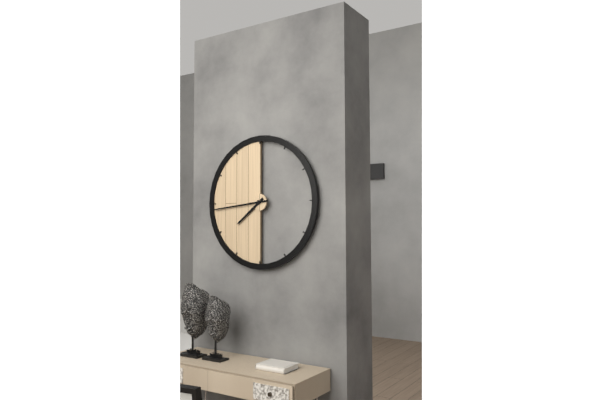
**7:44**
